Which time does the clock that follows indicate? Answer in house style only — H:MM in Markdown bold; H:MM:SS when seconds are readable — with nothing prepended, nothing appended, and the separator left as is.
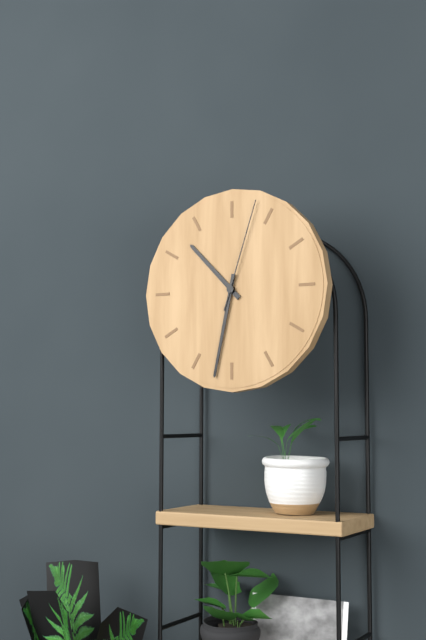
**10:32:03**
